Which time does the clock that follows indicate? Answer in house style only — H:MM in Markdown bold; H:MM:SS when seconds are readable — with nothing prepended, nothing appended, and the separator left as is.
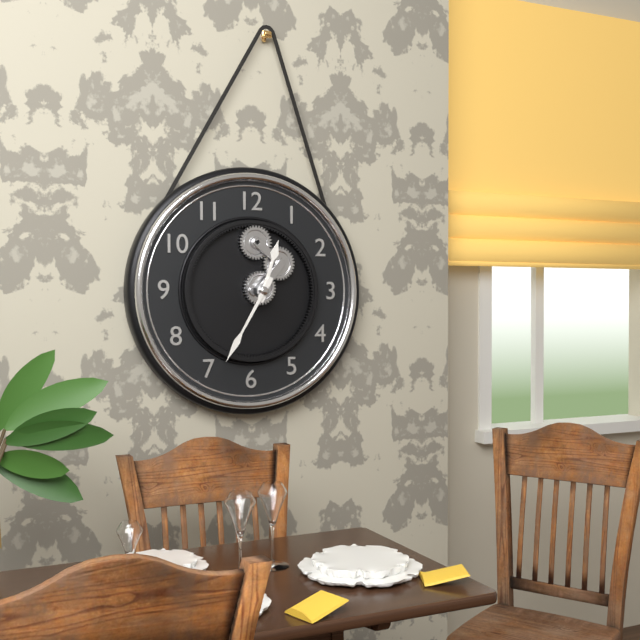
**12:35**
